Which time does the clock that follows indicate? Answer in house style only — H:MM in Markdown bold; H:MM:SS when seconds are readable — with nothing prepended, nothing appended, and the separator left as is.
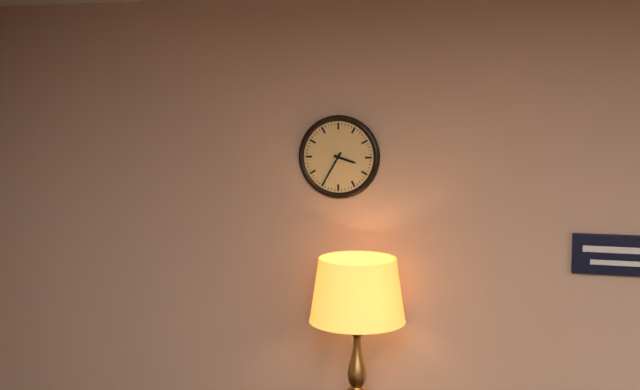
**3:35**
